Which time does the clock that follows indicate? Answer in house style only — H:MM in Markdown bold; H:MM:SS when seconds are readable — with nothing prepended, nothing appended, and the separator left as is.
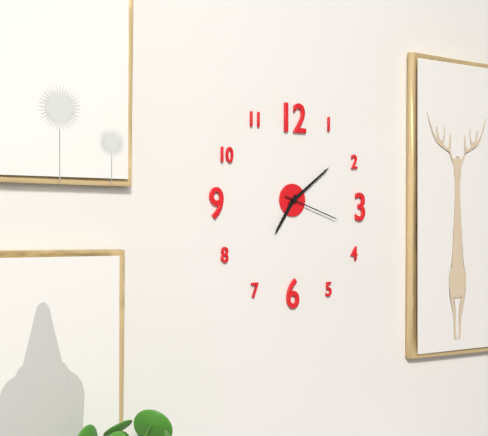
**7:09:18**
